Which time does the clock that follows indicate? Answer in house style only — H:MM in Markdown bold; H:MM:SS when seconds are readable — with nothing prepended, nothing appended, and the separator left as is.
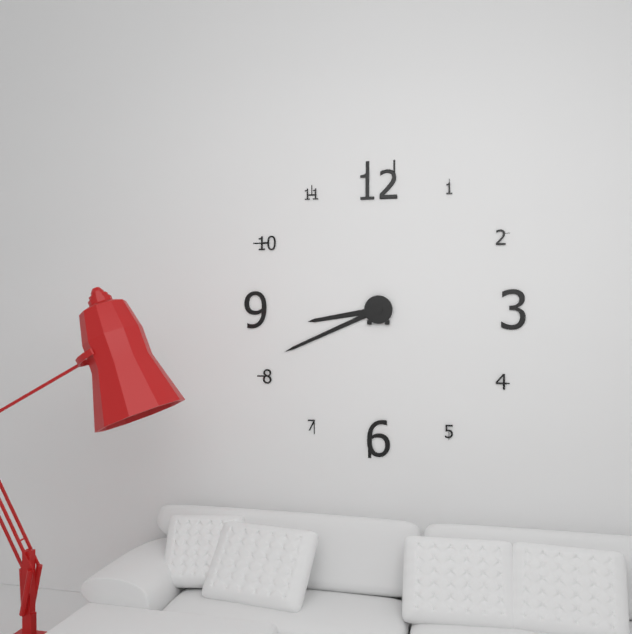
**8:41**
